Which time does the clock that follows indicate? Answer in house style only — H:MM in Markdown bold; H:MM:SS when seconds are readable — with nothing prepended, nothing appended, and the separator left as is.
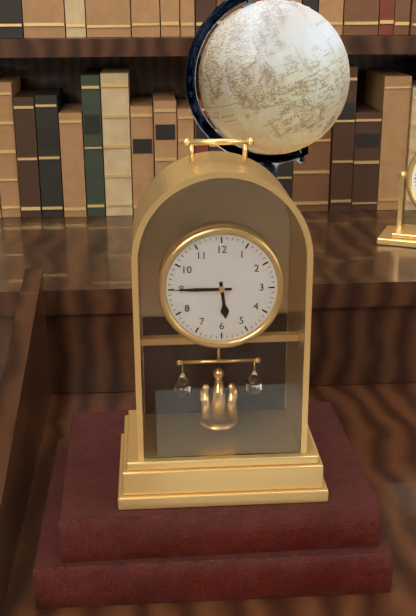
**5:45**
